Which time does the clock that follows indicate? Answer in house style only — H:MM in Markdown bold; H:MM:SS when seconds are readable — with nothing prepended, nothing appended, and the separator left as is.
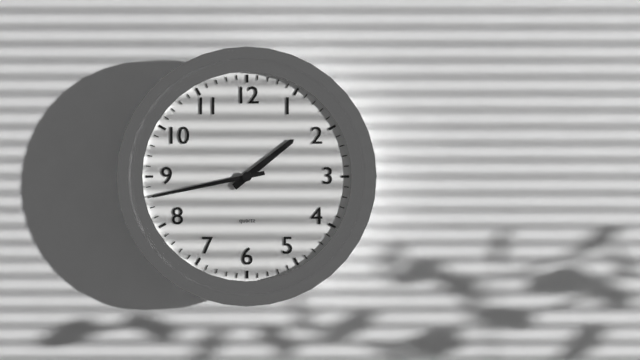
**1:43**
